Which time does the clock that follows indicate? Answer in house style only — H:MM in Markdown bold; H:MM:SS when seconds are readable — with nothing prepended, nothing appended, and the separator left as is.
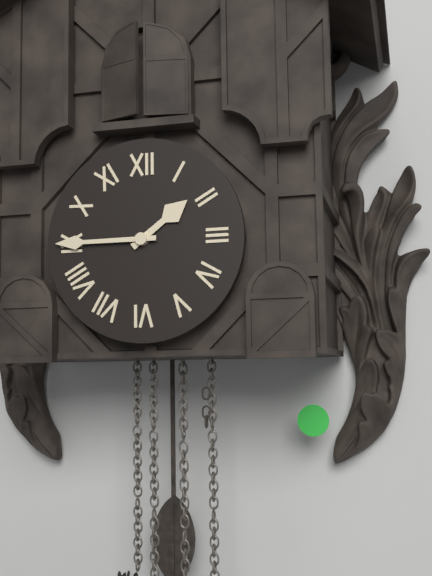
**1:45**
